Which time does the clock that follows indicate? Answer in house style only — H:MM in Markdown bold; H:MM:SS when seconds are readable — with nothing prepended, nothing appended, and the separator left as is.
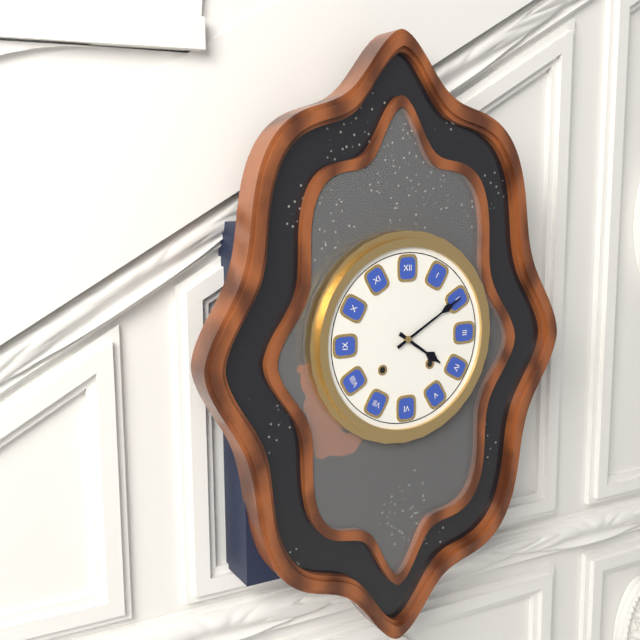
**4:10**
